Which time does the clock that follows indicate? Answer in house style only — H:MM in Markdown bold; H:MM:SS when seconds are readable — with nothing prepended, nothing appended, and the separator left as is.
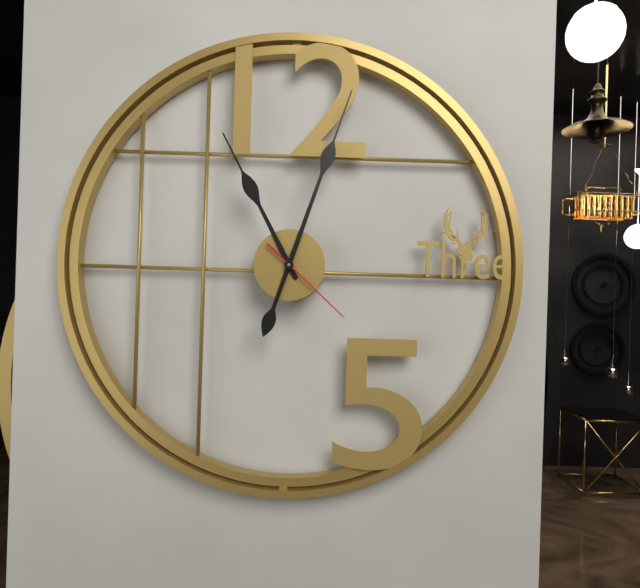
**11:03:22**
